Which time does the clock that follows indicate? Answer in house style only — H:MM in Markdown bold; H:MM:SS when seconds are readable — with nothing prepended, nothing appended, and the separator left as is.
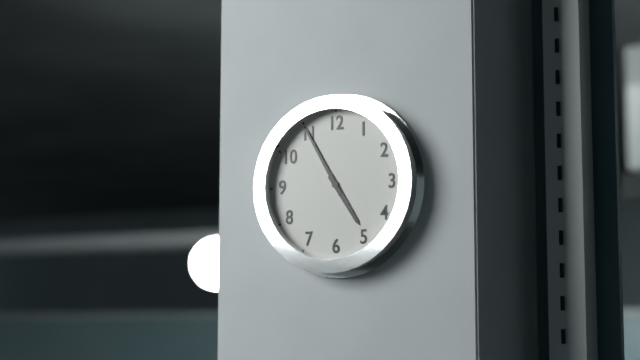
**4:55**
